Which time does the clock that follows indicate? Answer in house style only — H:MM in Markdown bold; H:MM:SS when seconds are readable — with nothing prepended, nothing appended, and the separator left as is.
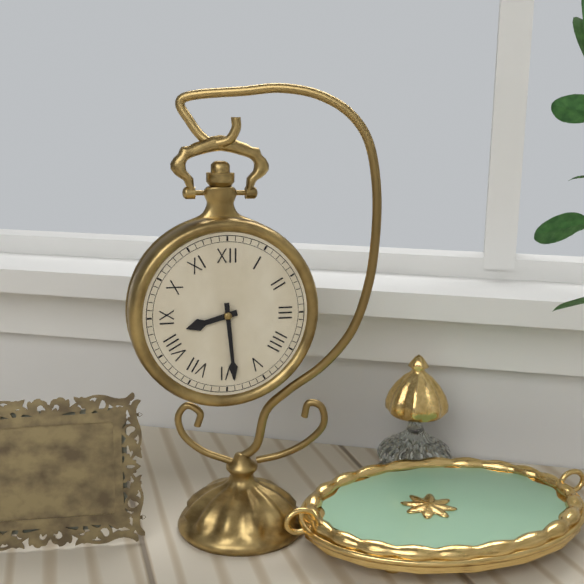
**8:29**
